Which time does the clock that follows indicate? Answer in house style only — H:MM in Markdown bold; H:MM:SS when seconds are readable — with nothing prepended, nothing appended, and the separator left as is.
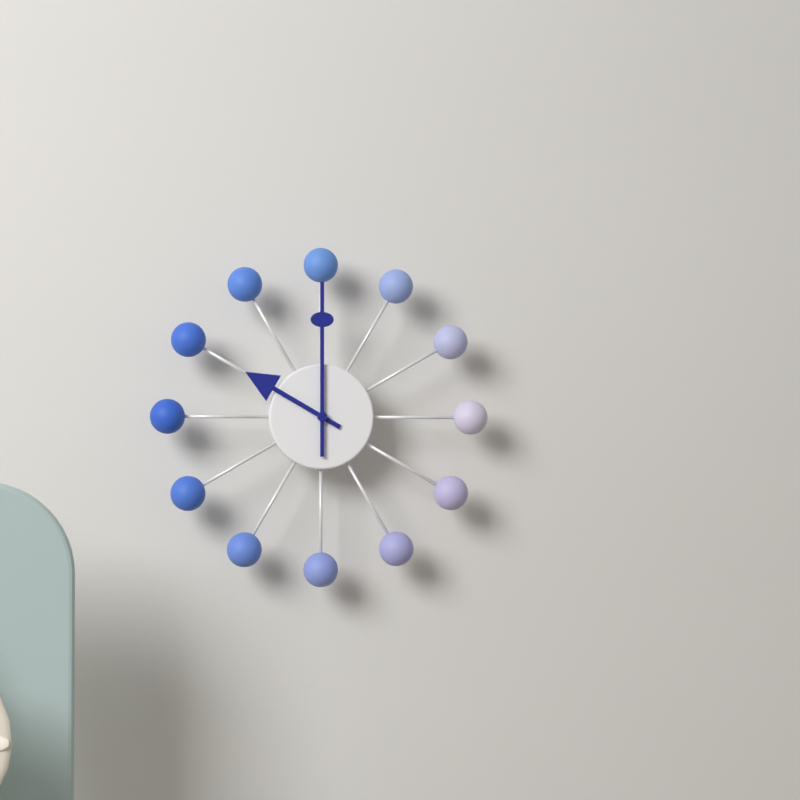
**10:00**
